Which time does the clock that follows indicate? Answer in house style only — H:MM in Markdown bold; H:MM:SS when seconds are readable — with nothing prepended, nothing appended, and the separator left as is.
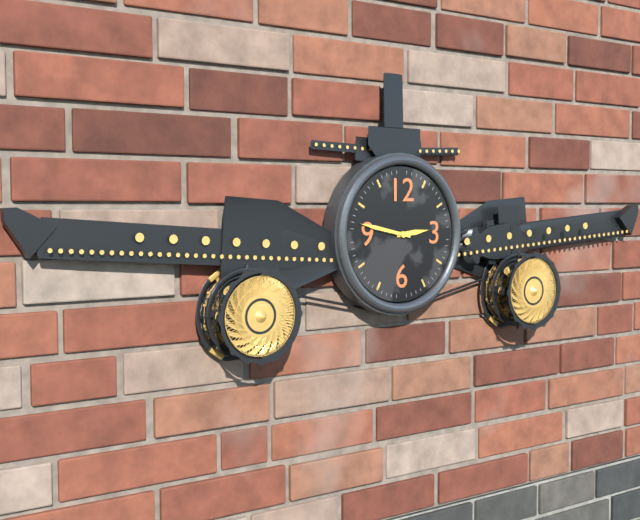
**2:47**
